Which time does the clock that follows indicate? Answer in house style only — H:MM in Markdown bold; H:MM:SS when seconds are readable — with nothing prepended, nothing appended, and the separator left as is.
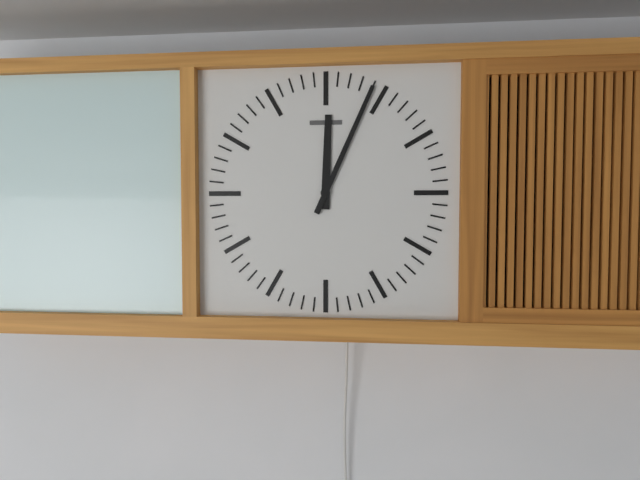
**12:04**
